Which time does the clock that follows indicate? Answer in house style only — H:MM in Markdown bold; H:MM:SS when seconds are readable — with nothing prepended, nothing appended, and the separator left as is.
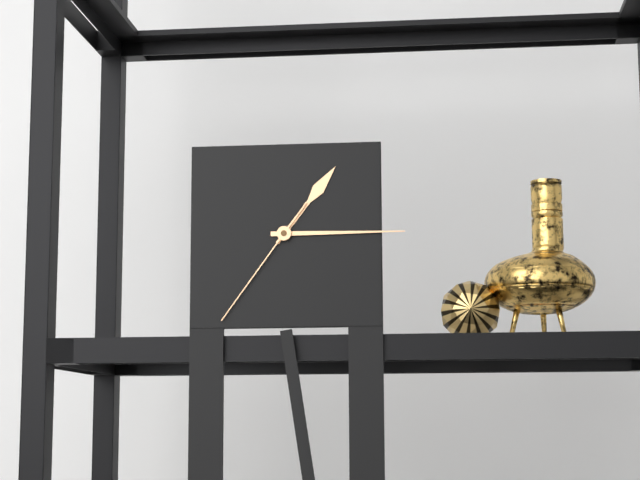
**1:15:36**
